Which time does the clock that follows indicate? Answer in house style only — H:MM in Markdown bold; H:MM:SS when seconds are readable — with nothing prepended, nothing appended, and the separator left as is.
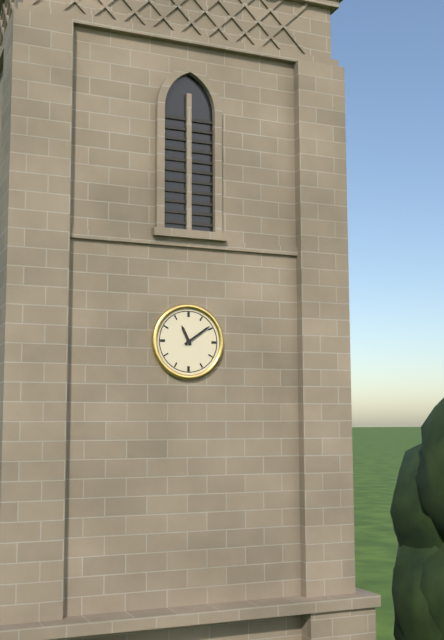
**11:09**
